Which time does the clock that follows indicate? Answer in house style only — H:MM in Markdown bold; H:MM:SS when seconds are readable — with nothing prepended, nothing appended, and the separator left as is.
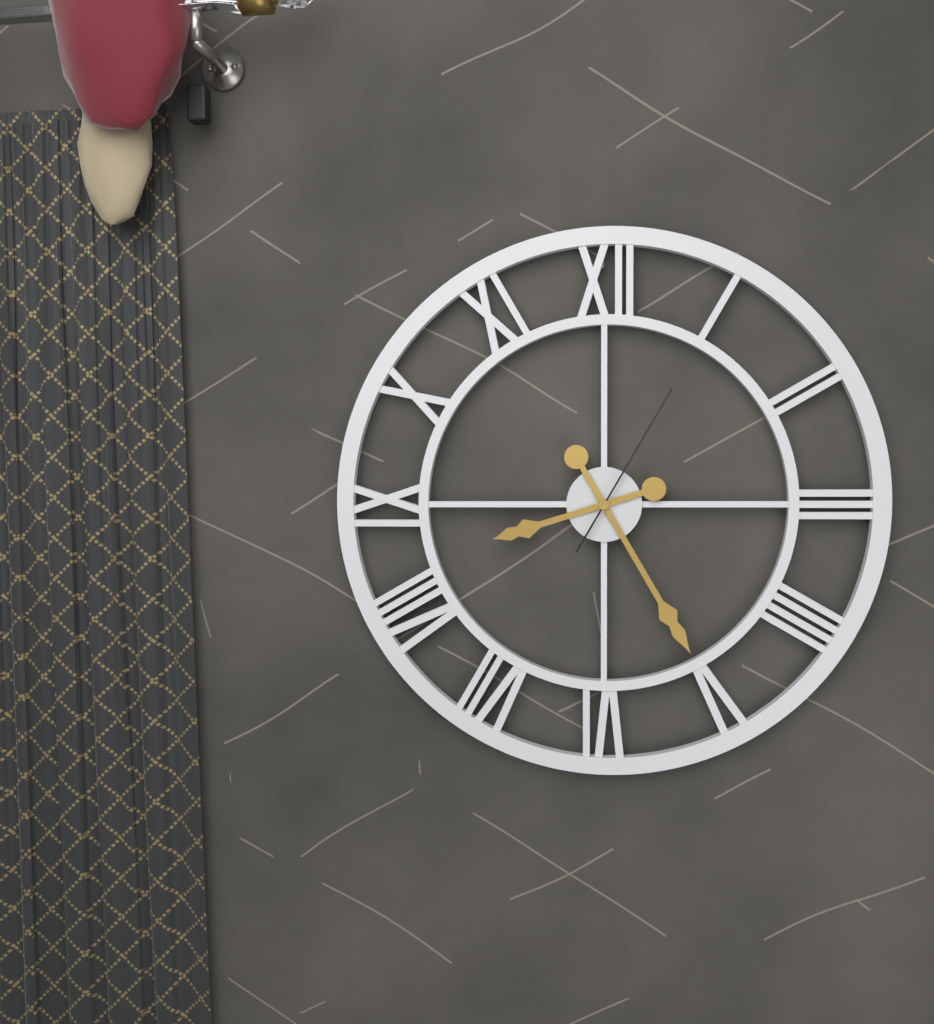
**8:25:05**
